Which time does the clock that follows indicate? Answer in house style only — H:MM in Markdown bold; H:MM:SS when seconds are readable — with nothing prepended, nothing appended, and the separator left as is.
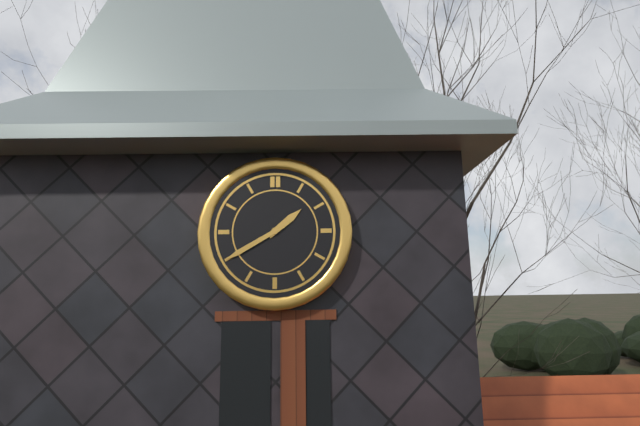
**1:40**
